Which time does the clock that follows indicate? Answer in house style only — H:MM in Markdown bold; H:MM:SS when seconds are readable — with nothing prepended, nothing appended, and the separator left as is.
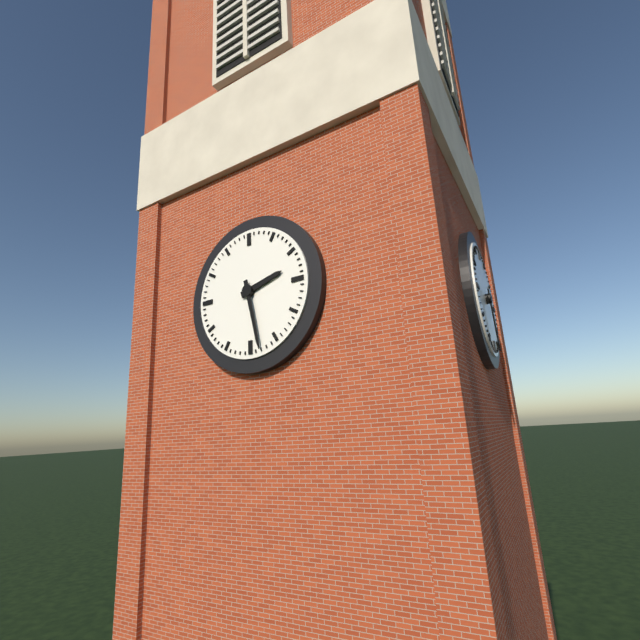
**2:28**
